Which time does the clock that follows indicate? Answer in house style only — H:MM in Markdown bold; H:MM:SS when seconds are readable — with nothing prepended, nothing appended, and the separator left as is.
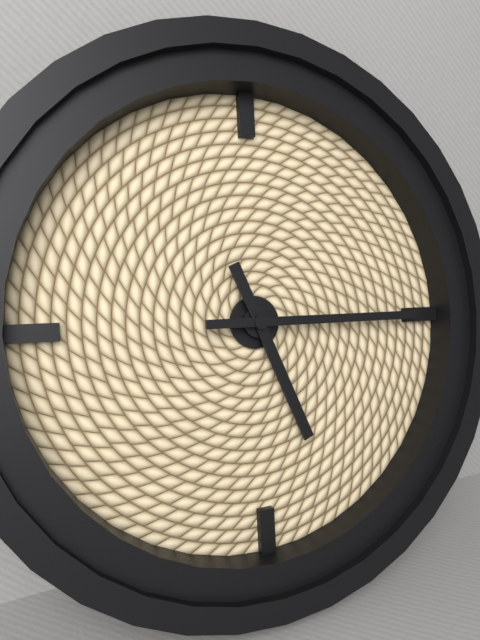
**5:15**
